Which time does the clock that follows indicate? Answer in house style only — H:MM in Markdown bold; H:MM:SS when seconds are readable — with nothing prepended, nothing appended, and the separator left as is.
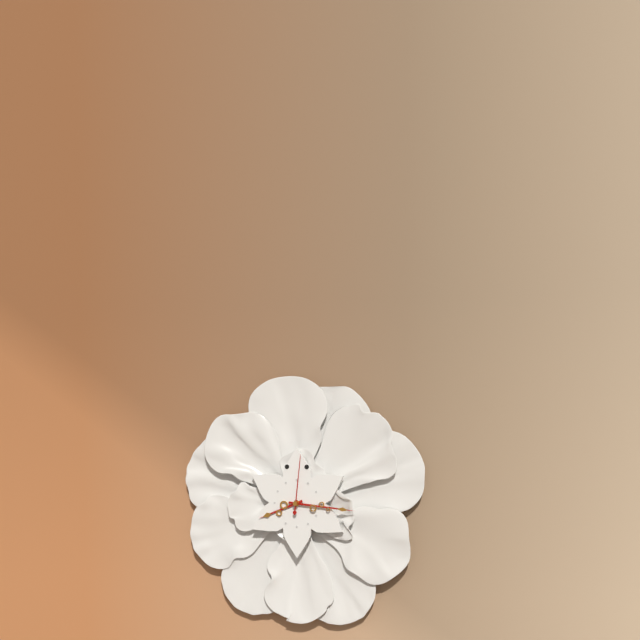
**8:16:01**
